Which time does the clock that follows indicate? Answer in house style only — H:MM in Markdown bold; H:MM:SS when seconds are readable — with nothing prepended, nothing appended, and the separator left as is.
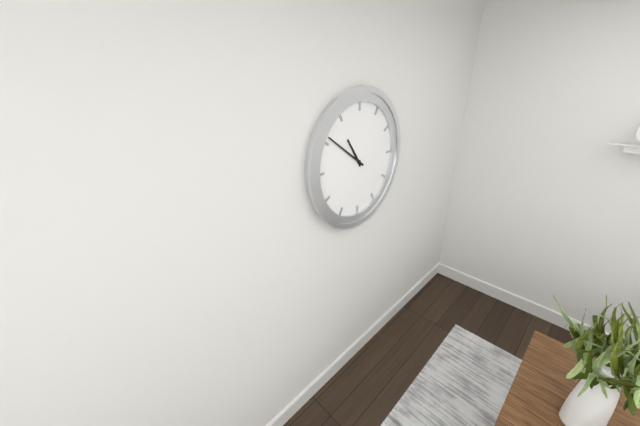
**10:51**
